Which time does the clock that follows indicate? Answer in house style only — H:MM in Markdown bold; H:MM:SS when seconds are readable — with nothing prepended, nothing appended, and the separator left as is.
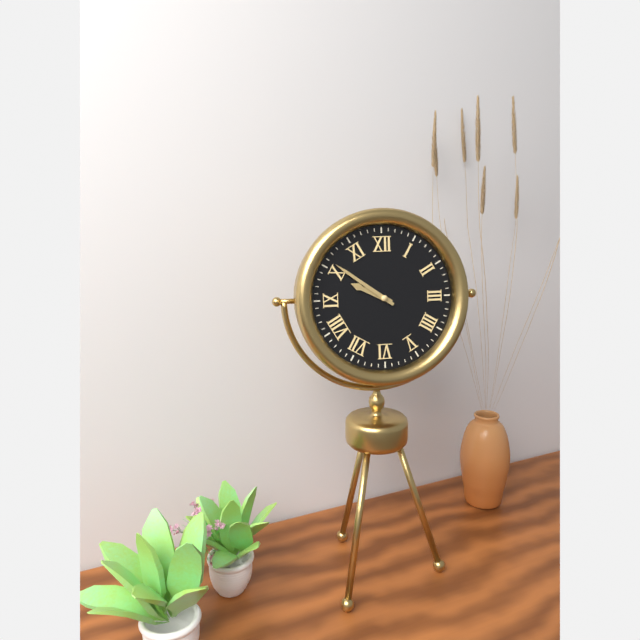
**9:51**
